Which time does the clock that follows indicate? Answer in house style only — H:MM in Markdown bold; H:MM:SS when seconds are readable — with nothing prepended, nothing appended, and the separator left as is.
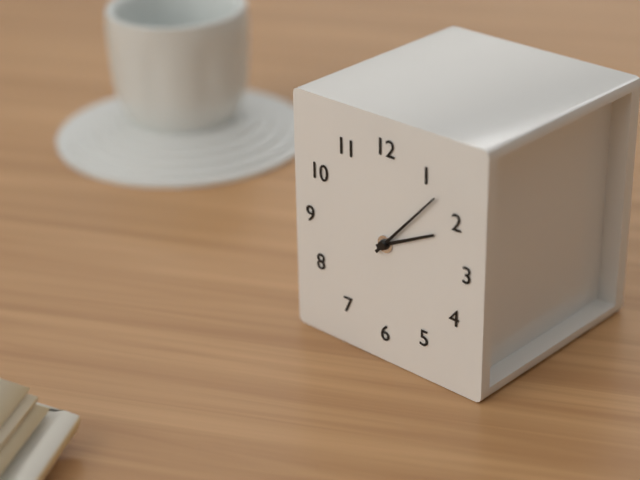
**2:07**
